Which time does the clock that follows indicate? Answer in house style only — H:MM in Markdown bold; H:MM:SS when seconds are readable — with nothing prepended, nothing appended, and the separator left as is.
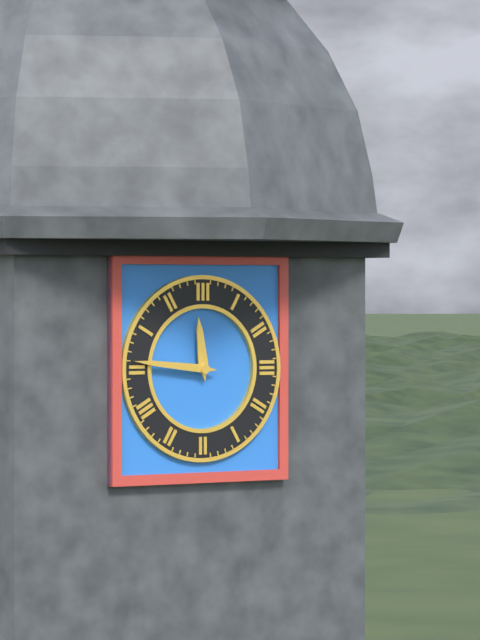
**11:46**
